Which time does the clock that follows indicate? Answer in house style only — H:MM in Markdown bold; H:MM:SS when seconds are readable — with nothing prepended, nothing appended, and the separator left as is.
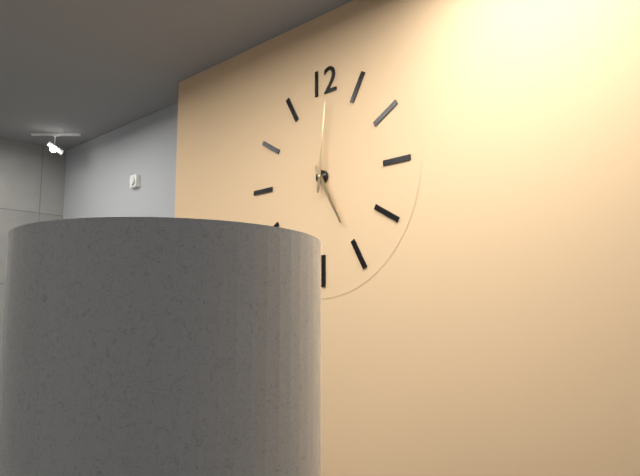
**5:01**
